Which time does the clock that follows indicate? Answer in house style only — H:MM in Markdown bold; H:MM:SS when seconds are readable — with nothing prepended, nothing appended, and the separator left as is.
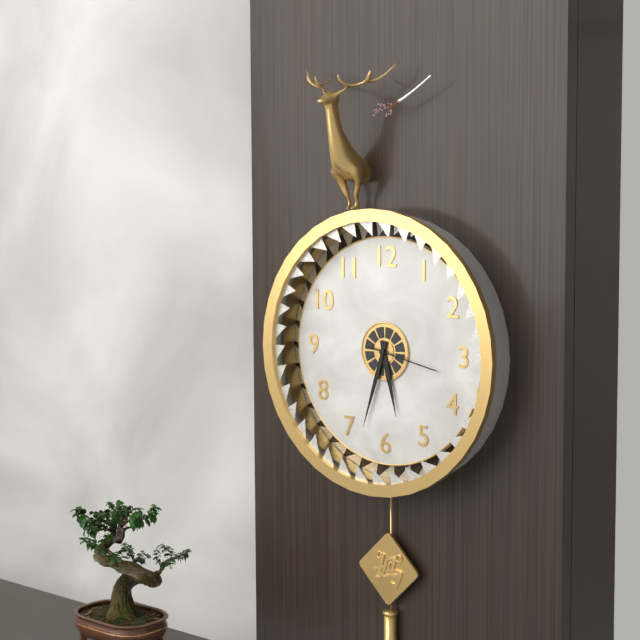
**5:33:17**
